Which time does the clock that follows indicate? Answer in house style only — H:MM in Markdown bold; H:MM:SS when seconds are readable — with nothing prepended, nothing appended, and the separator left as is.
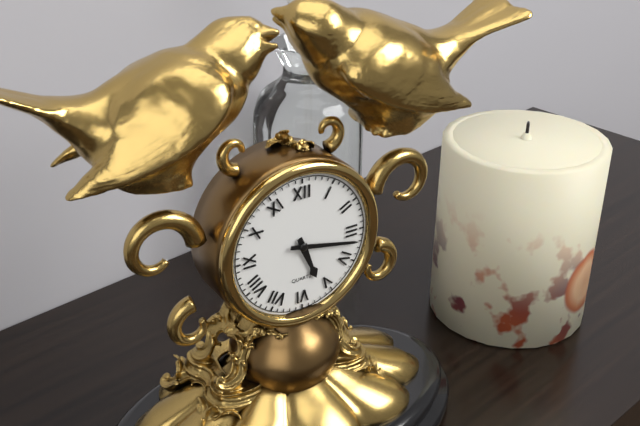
**5:17**
